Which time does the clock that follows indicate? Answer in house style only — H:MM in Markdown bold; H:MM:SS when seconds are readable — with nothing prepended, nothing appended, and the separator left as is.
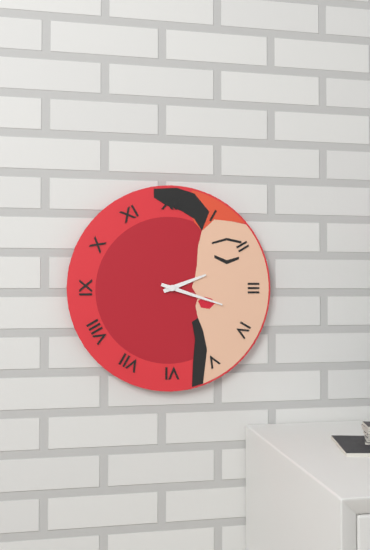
**2:18**
